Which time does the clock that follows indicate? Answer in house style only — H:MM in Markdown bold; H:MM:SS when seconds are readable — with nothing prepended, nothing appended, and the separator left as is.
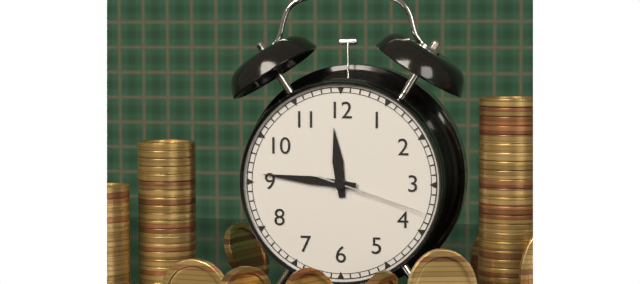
**11:46:18**
